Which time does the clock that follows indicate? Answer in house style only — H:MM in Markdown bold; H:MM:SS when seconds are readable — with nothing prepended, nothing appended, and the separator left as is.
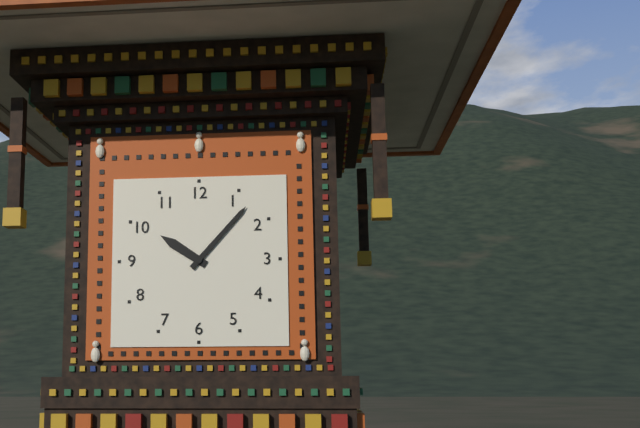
**10:07**
